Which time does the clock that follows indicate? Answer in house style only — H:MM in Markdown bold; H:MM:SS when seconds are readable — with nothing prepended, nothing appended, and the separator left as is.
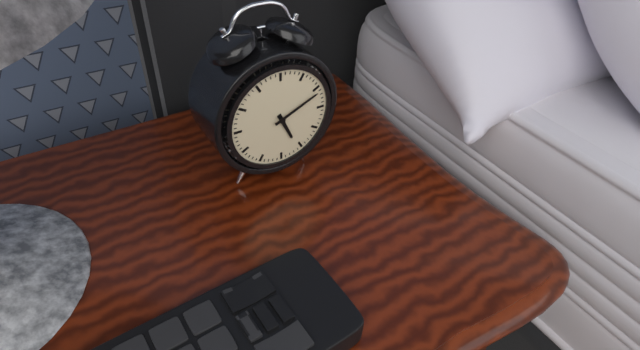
**5:11**
